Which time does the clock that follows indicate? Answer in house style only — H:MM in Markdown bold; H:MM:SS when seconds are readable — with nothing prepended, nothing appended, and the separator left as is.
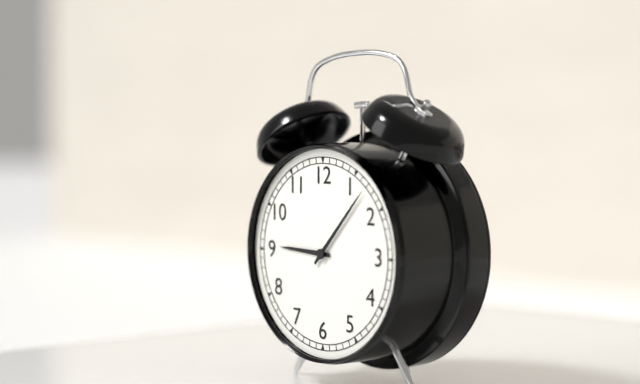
**9:07**
